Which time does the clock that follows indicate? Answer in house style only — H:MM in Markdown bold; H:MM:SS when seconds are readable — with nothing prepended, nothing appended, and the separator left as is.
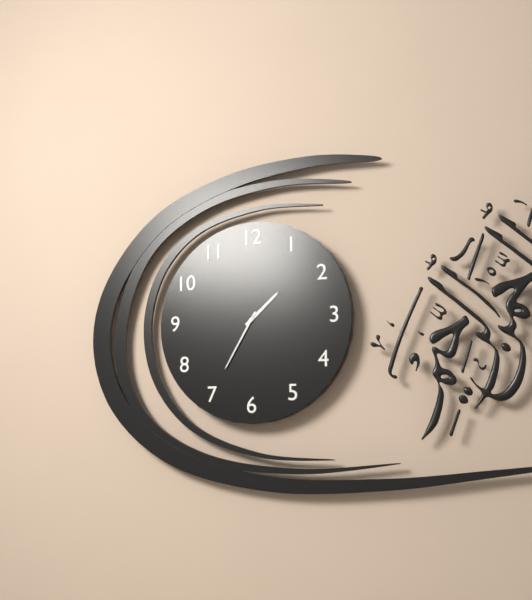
**1:35**
